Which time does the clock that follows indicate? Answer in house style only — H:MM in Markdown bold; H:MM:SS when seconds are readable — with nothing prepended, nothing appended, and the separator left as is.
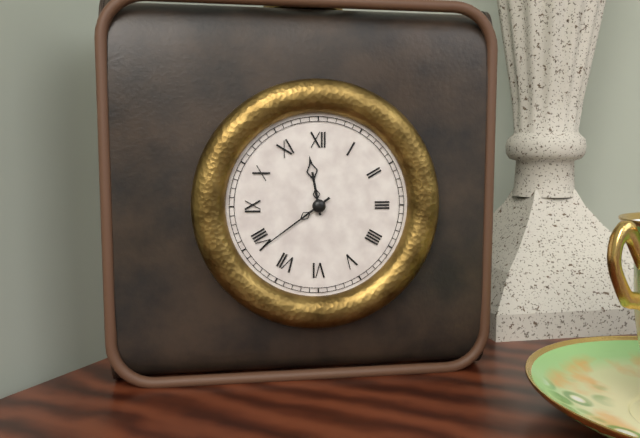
**11:39**
